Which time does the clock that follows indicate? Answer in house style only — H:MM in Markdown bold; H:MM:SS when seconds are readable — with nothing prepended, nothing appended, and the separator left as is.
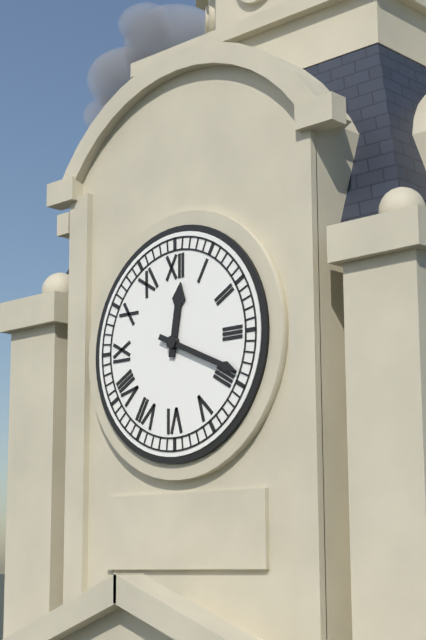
**12:19**
